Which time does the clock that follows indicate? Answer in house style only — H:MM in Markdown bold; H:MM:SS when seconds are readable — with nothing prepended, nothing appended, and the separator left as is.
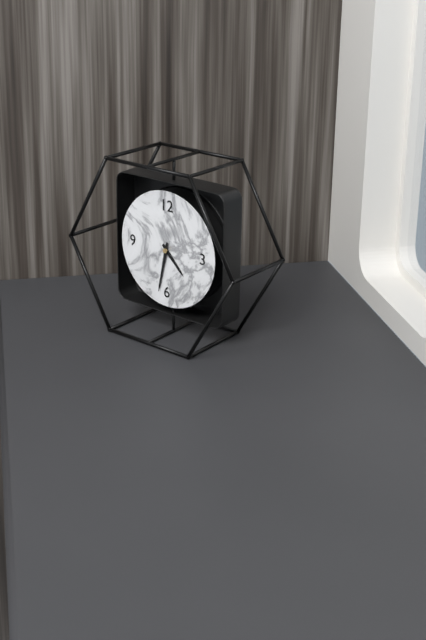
**4:32**
